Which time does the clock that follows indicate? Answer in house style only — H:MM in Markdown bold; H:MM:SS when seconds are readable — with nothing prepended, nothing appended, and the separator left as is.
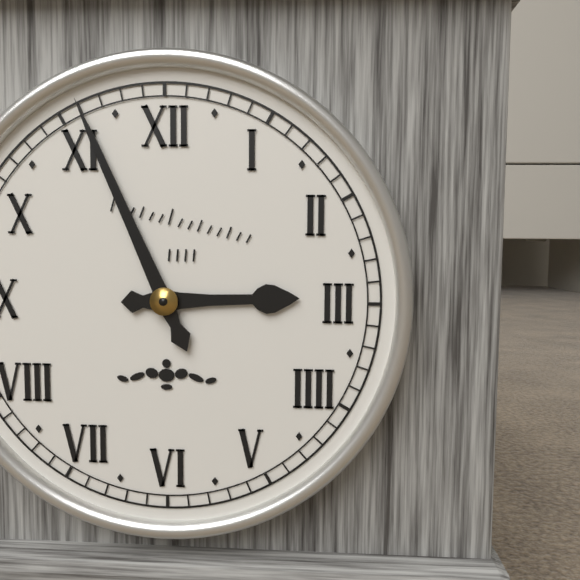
**2:56**
